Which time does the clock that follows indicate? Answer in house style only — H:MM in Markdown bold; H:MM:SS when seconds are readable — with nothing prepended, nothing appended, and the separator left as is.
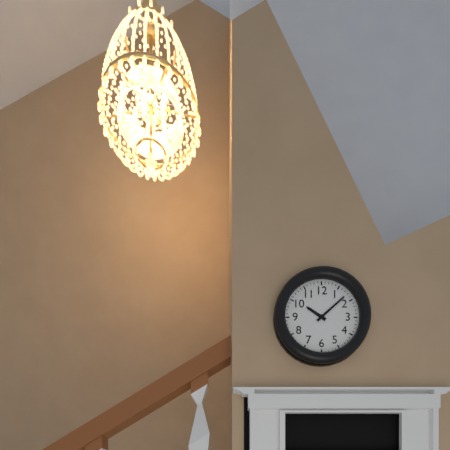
**10:08**
